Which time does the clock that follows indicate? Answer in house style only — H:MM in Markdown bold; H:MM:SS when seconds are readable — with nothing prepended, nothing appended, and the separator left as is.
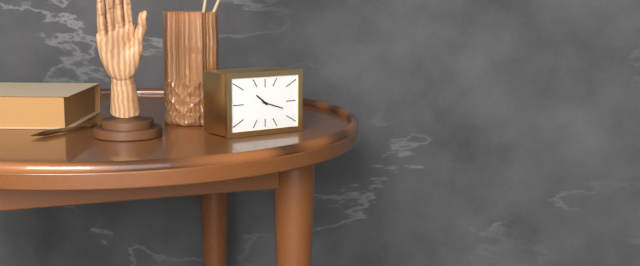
**10:18**
